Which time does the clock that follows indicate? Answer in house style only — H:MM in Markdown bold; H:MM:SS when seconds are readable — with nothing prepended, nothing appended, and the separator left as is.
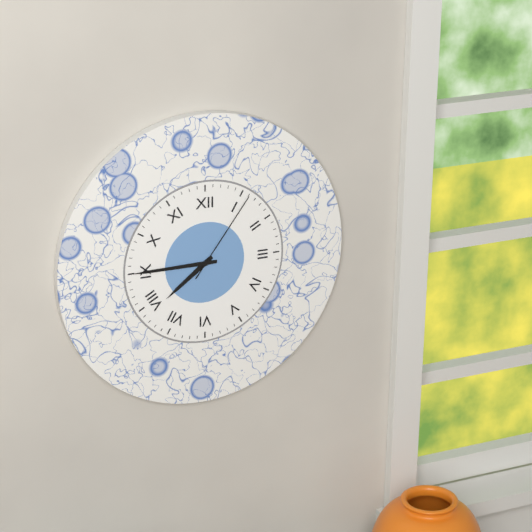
**7:45:06**
